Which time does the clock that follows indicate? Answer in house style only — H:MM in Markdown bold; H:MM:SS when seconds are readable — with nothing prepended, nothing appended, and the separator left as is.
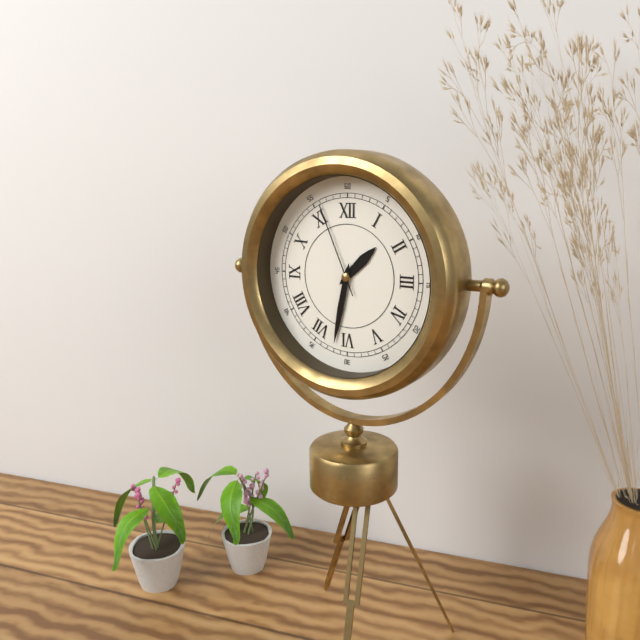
**1:32:56**
